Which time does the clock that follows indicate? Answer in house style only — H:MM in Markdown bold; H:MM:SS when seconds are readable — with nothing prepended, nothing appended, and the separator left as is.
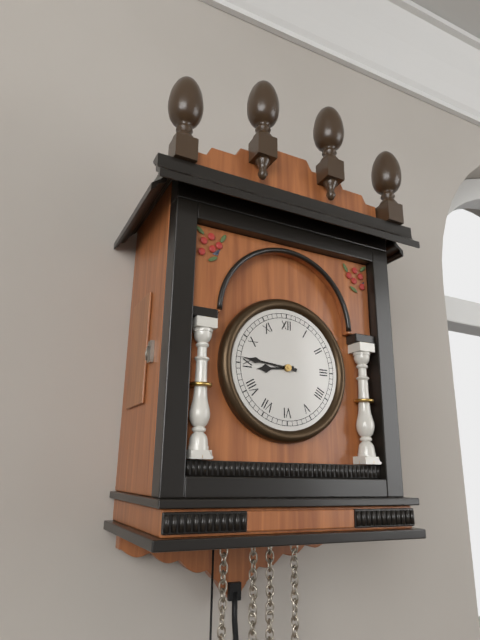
**8:46**
